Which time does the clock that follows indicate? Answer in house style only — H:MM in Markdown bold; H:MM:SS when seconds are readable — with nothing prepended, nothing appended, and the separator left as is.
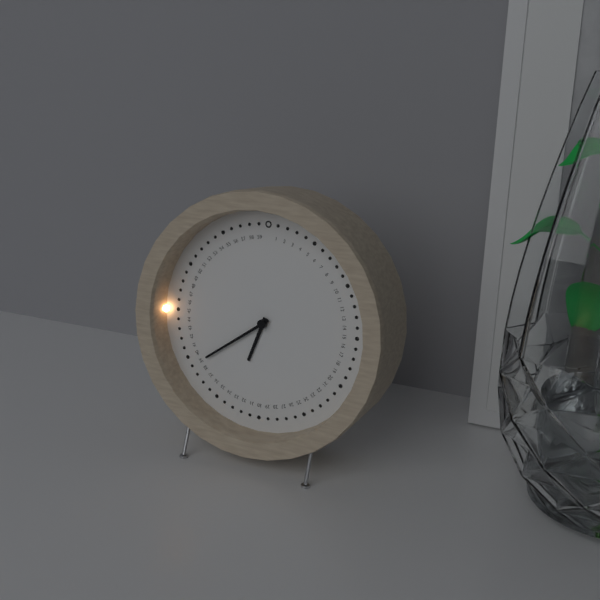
**6:39**
